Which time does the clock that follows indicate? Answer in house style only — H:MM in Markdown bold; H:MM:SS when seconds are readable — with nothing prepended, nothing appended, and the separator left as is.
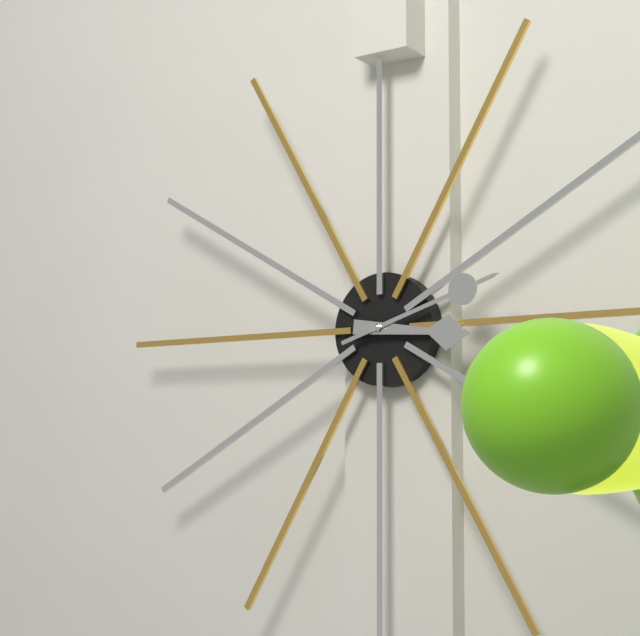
**3:12**
